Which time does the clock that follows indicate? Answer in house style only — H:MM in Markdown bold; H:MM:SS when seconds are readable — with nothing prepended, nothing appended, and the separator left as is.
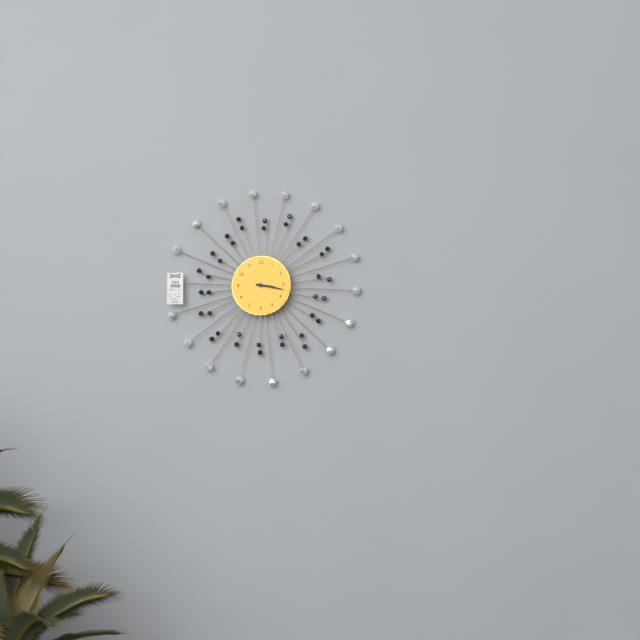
**3:17**
